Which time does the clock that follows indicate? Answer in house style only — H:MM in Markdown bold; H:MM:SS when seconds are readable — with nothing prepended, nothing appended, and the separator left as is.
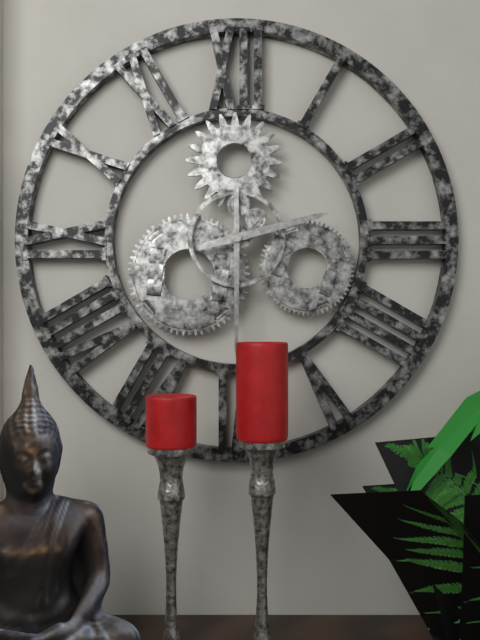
**2:30**
